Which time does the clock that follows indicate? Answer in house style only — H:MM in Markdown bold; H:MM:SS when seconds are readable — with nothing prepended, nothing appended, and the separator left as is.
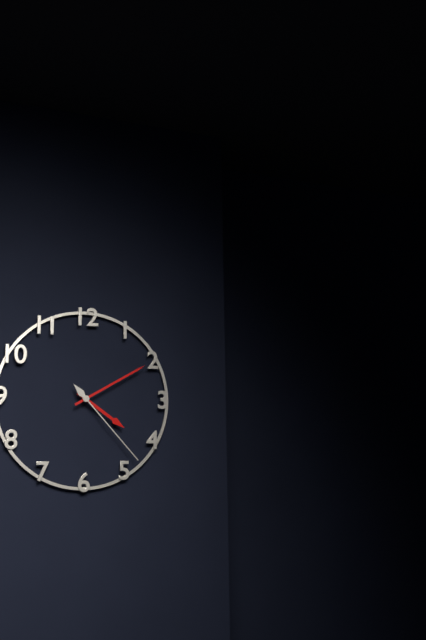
**4:10:23**
